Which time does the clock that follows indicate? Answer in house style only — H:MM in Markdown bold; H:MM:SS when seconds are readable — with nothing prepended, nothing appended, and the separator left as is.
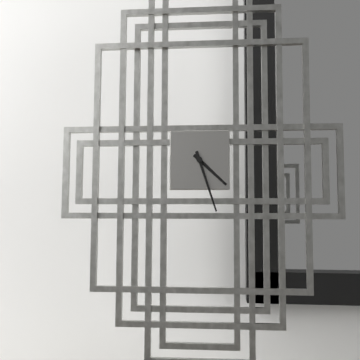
**4:27**
